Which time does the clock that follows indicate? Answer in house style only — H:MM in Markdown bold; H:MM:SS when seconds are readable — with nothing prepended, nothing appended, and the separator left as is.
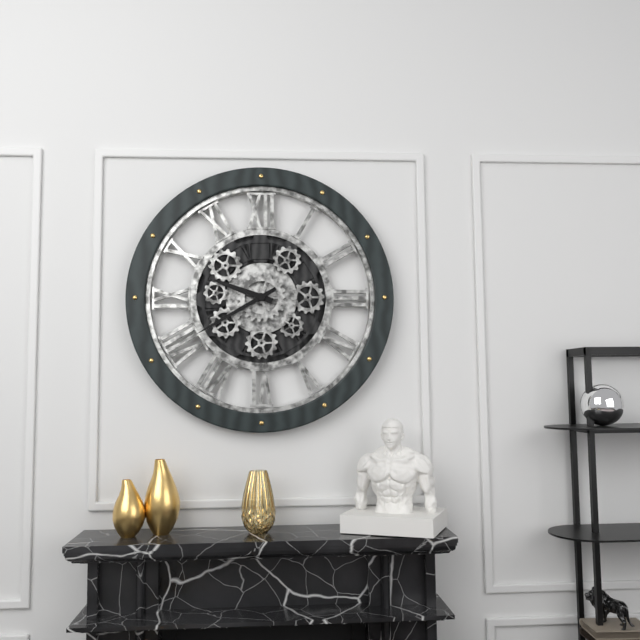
**9:40**
